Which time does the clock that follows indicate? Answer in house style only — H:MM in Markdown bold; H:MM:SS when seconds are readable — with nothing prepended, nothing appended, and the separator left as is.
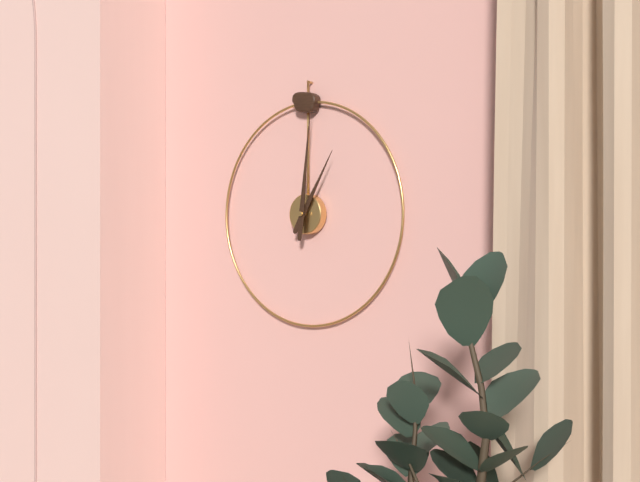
**1:01**
